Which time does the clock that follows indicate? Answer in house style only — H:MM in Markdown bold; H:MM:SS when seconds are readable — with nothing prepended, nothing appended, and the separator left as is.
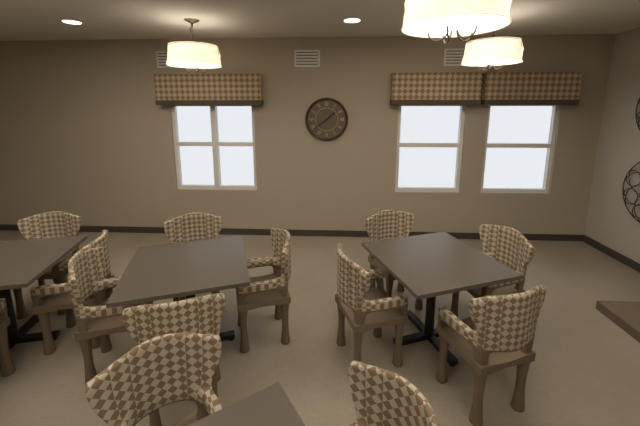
**1:39**
